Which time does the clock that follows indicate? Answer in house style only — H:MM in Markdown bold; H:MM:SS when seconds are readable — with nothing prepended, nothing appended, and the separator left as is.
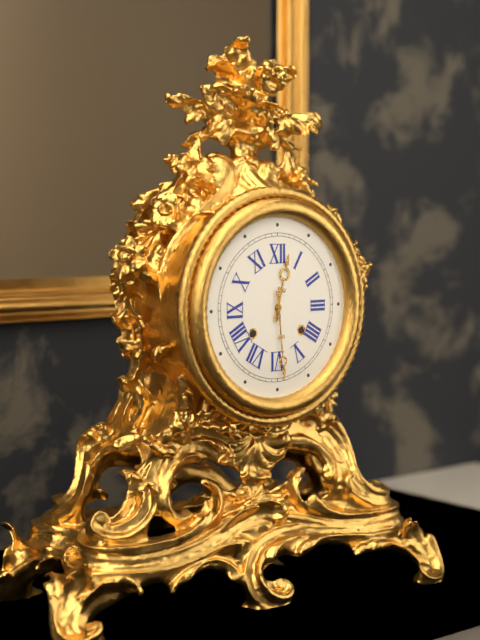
**12:29**
